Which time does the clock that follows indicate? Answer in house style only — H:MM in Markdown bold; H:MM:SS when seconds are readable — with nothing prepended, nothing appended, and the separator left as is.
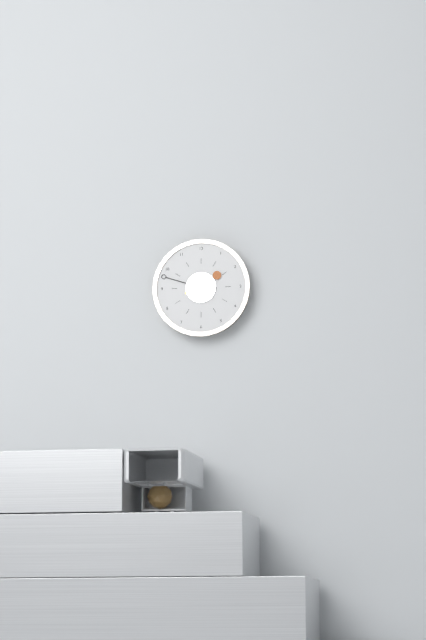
**1:48**
